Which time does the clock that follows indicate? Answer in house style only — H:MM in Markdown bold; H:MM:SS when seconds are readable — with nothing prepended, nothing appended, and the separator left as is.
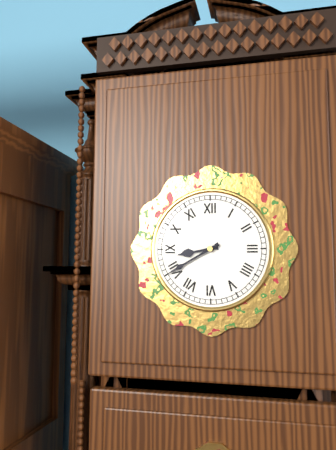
**8:40**
